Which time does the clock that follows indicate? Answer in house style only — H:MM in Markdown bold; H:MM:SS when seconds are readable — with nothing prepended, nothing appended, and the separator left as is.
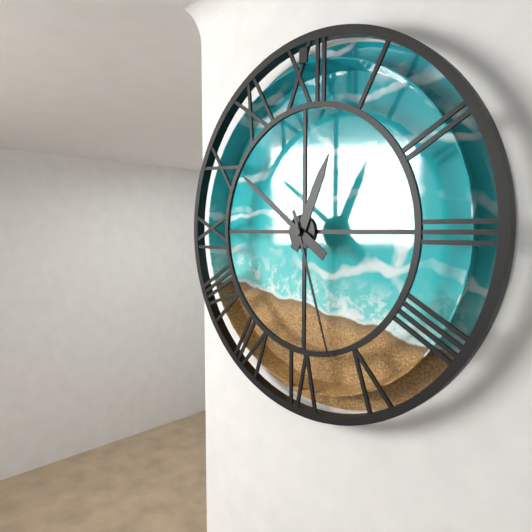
**12:51:27**
